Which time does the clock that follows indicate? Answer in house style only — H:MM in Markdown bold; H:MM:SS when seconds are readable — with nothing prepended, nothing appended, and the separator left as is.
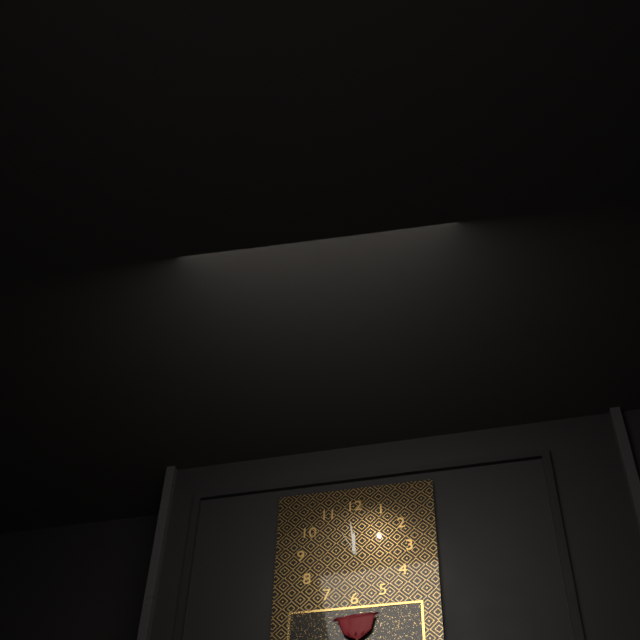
**11:59**
